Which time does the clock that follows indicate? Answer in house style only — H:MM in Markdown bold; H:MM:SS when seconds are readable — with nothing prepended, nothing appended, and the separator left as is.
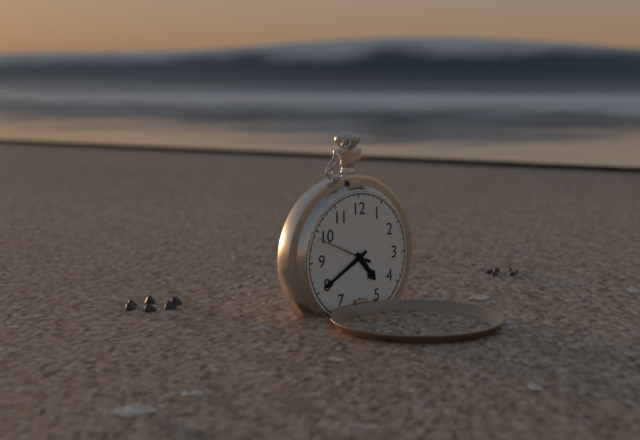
**4:40:49**
